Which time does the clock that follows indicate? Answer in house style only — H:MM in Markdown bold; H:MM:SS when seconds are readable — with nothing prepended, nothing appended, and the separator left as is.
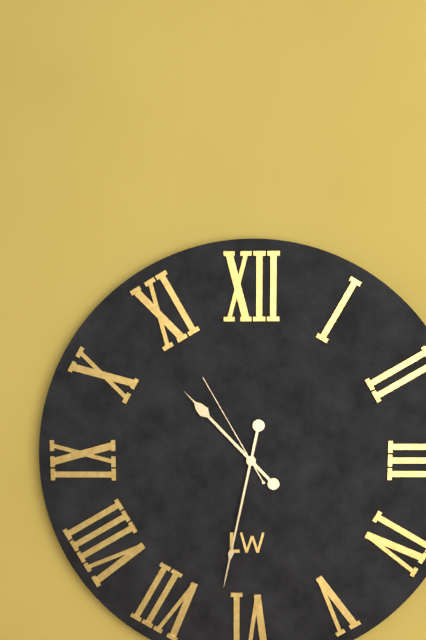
**10:32:55**
